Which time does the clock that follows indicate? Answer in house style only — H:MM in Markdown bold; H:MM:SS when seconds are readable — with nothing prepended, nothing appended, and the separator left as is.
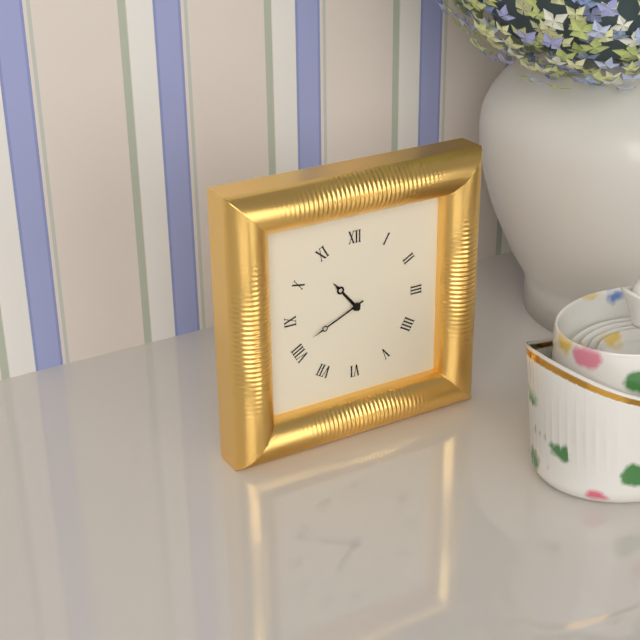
**10:41**
